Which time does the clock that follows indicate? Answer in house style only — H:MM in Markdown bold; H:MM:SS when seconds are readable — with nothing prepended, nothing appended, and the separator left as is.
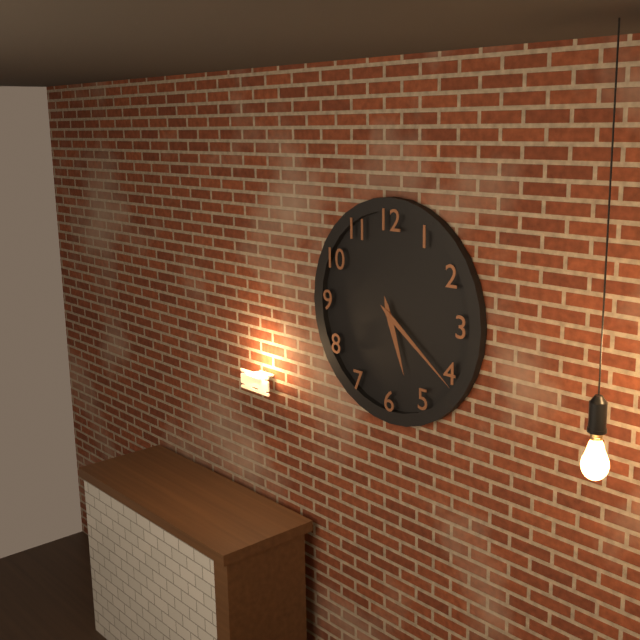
**5:21**
